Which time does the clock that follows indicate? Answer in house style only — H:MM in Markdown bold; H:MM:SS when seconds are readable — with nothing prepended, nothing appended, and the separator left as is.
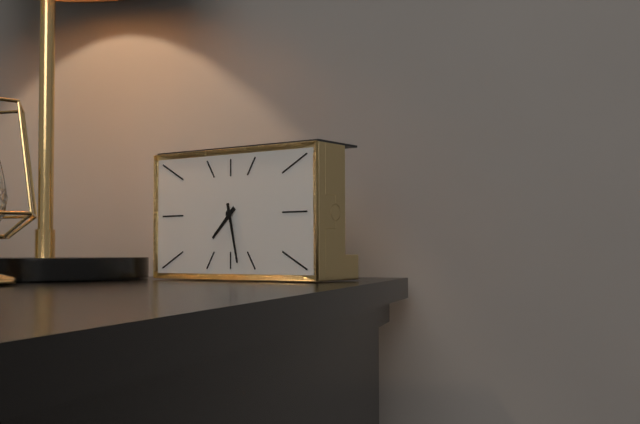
**7:28**
